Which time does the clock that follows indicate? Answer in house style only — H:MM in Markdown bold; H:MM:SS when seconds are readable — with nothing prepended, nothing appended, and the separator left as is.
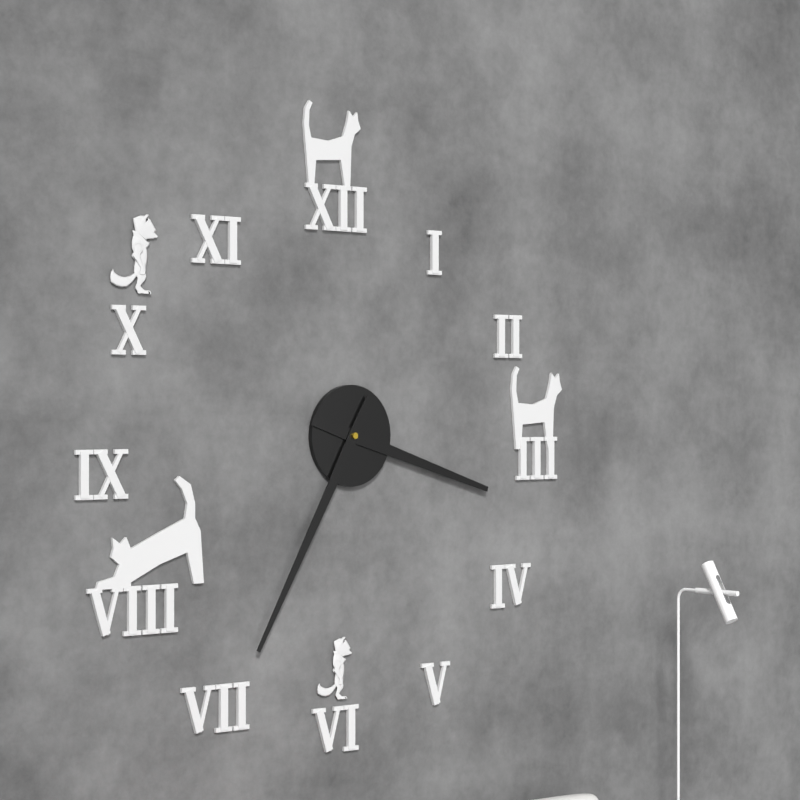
**3:35**
